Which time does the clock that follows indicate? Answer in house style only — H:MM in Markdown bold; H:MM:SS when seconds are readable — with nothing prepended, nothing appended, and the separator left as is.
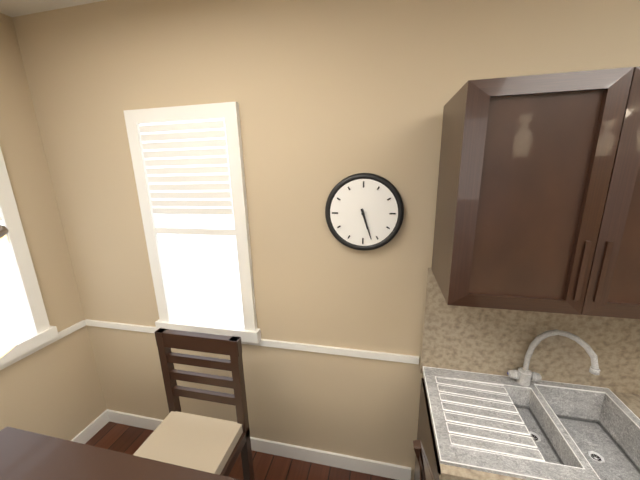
**5:27**
